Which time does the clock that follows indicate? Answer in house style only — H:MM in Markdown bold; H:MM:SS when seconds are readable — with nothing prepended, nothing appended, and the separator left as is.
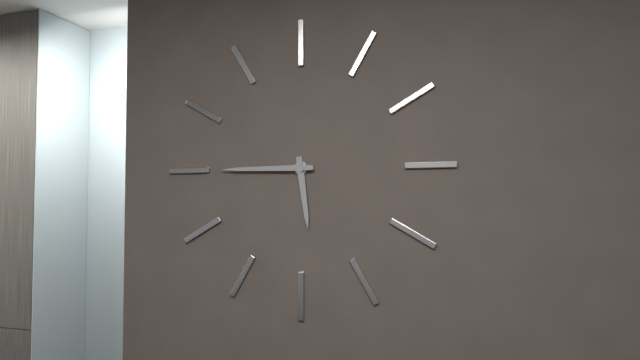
**5:45**
